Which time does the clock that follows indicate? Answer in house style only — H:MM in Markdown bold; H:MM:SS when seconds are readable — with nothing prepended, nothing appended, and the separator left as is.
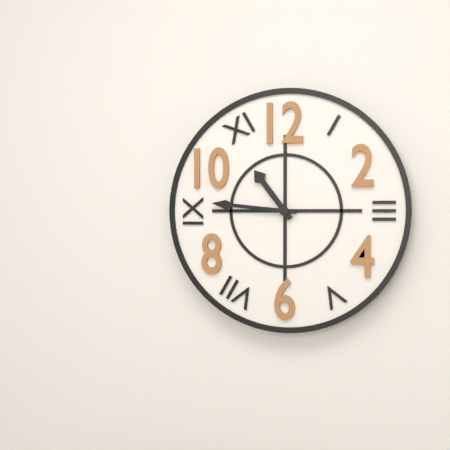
**10:46**
